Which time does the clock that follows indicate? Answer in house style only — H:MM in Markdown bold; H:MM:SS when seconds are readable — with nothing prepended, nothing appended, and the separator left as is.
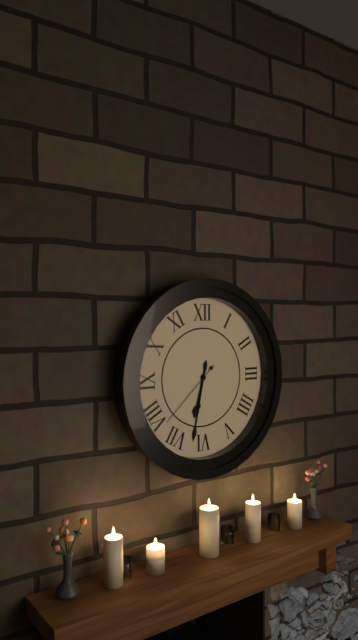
**6:32:38**
